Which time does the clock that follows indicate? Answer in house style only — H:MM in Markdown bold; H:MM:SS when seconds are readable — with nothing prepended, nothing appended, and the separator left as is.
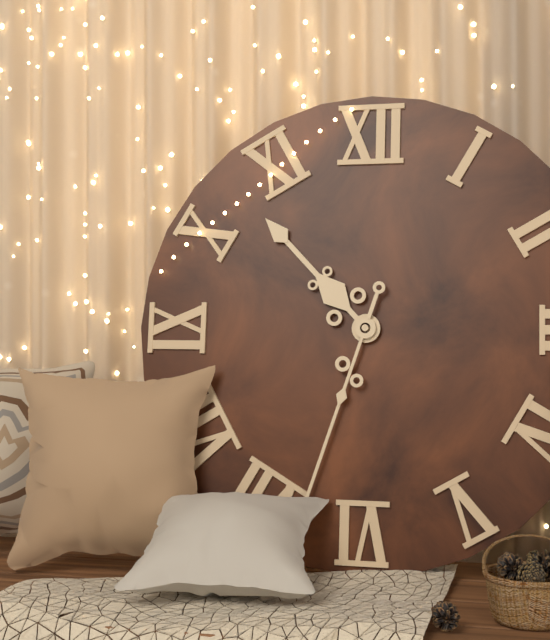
**10:33**
